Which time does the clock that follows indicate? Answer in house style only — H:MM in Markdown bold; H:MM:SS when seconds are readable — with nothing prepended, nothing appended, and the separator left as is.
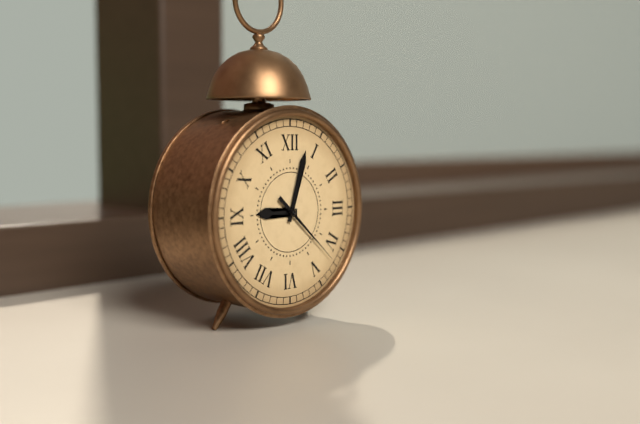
**9:03:22**
